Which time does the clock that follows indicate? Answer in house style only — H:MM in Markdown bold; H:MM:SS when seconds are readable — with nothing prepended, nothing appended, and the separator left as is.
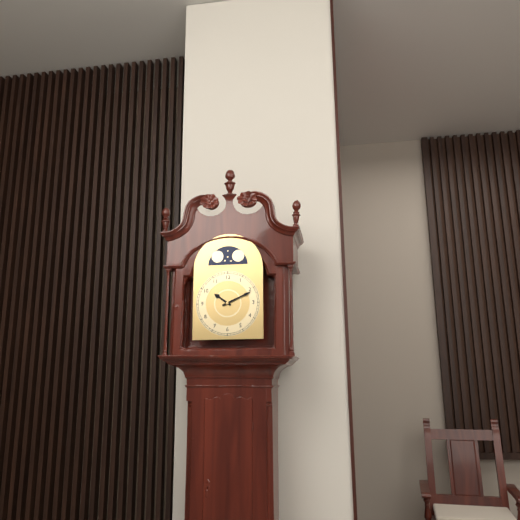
**10:11**
